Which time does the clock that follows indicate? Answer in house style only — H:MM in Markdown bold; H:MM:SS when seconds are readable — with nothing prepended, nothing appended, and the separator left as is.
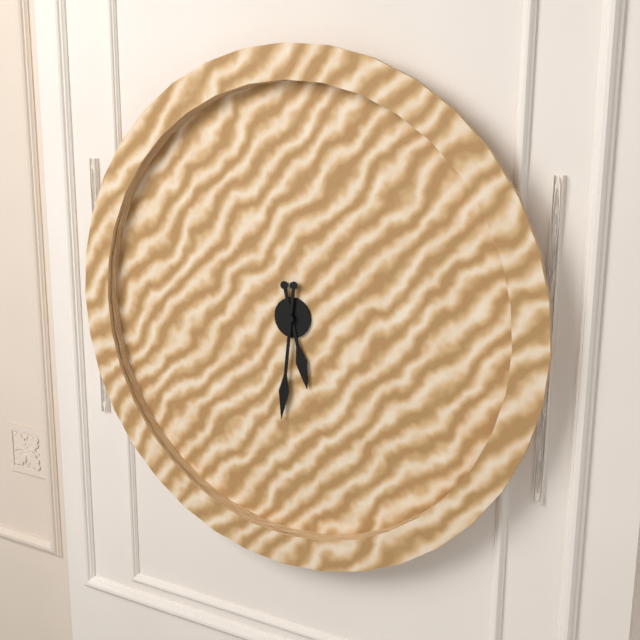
**5:31**
